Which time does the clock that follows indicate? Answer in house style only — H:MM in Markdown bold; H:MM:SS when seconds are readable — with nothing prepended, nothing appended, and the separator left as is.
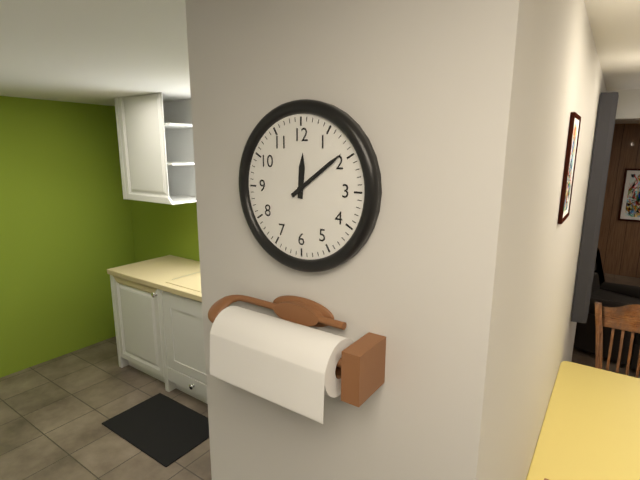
**12:09**
